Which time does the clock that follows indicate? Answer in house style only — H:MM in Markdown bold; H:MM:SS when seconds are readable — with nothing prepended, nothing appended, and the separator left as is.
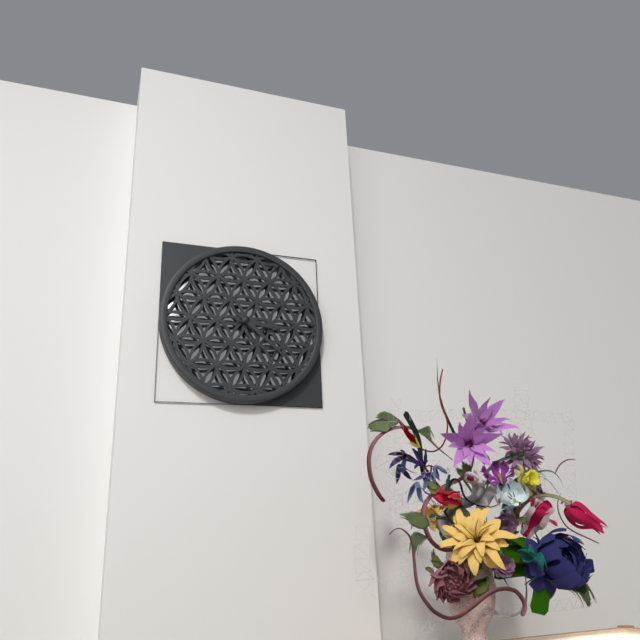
**3:22**
